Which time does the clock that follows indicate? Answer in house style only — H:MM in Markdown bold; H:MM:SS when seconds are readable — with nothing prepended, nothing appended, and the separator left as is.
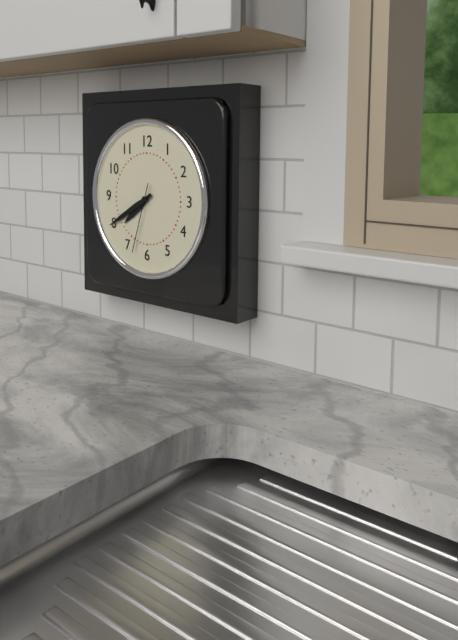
**7:40:33**
